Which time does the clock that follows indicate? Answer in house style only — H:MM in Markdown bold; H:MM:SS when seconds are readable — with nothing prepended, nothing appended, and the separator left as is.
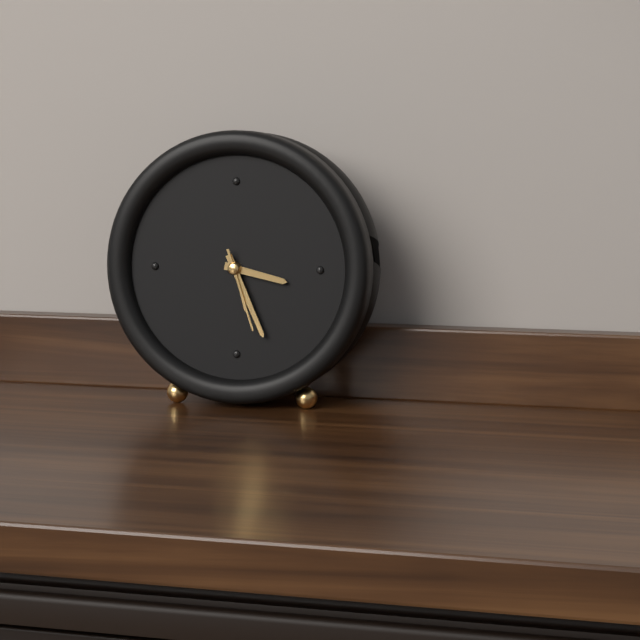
**3:26:27**
